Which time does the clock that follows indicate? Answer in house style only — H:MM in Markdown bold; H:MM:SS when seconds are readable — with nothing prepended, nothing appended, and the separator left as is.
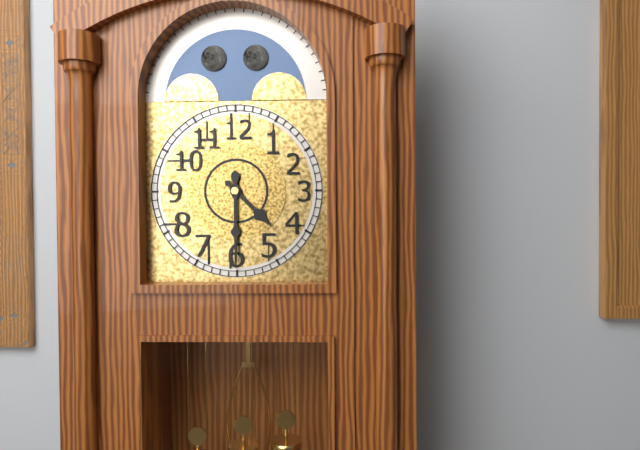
**4:30**
